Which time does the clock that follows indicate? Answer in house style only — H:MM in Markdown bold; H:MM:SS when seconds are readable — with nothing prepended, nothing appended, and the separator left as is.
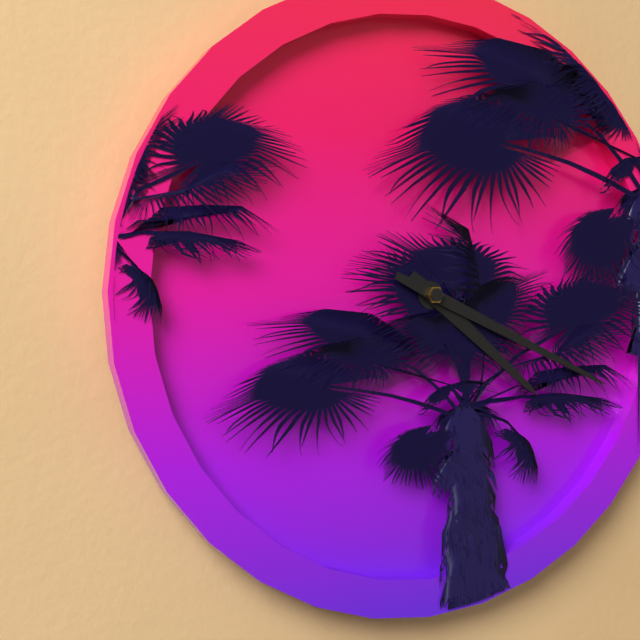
**4:19**
